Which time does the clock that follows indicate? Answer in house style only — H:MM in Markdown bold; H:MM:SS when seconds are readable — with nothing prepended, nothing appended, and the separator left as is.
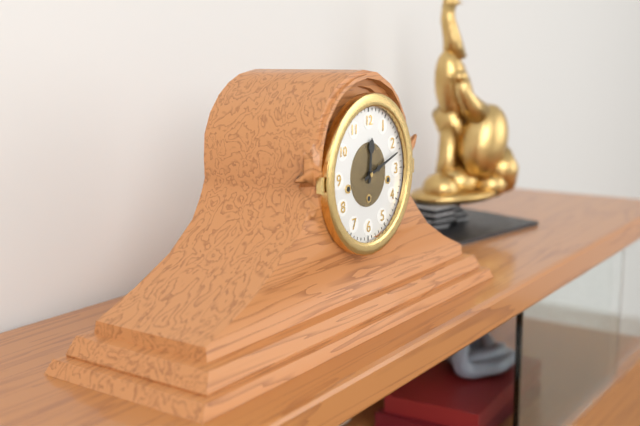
**12:12**
